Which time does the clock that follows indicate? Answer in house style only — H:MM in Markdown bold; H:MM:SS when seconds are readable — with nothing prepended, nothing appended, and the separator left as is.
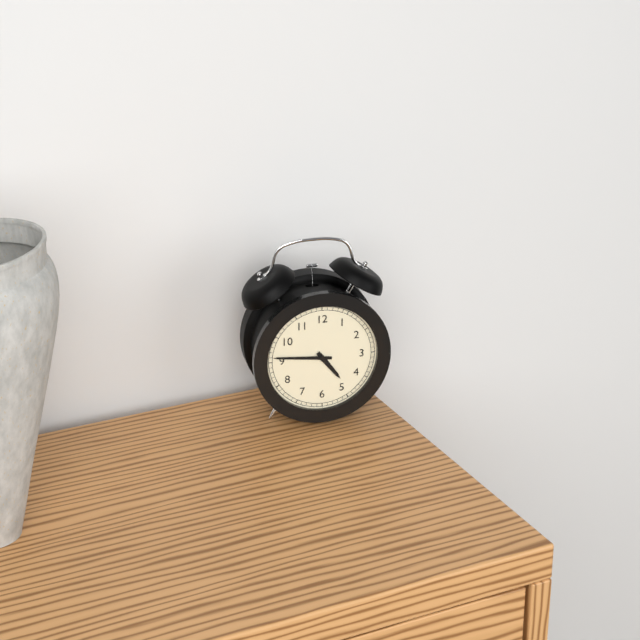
**4:46**
